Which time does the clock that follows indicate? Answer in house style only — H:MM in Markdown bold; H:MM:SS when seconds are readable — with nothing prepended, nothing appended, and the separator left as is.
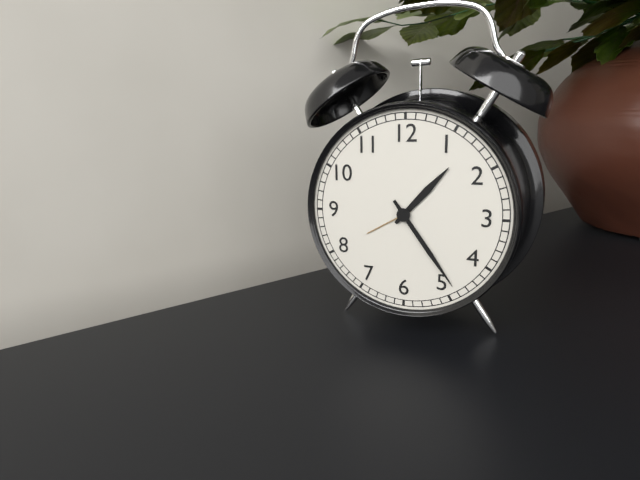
**1:24**
